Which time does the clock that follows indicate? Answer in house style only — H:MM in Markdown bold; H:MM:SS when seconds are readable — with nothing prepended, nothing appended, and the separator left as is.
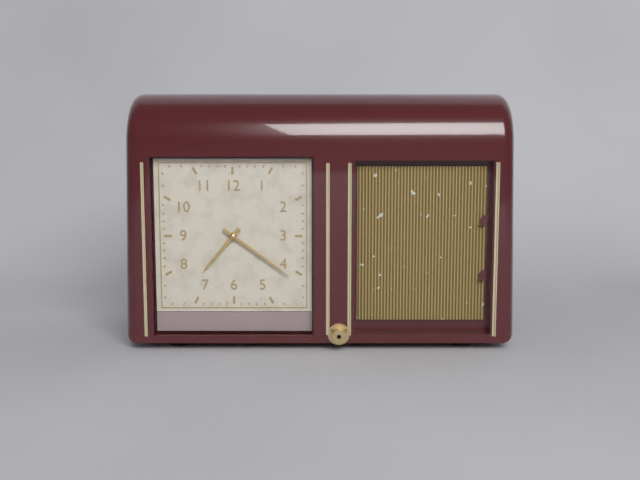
**7:21**
